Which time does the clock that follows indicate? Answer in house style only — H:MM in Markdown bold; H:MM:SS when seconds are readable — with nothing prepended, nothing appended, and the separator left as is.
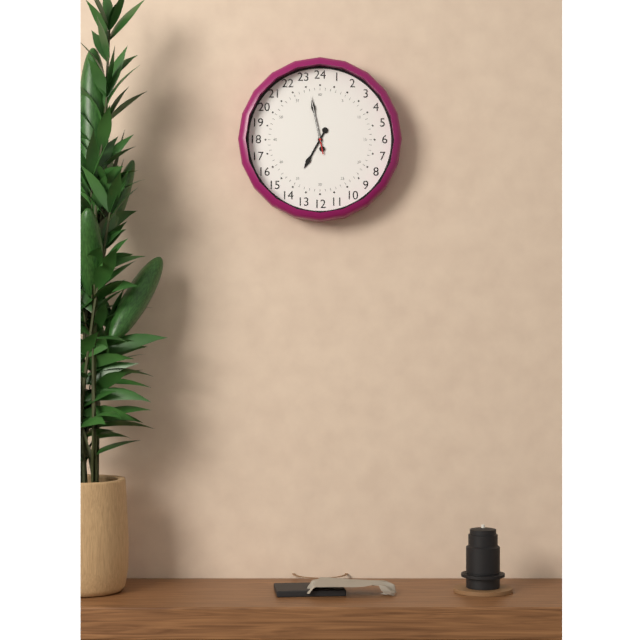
**6:58:58**
